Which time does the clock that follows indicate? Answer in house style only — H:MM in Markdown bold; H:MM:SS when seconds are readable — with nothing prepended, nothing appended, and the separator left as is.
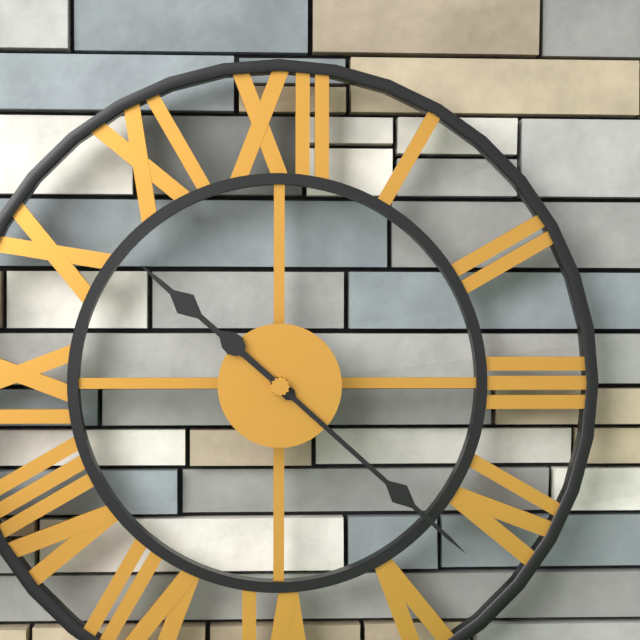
**10:22**
